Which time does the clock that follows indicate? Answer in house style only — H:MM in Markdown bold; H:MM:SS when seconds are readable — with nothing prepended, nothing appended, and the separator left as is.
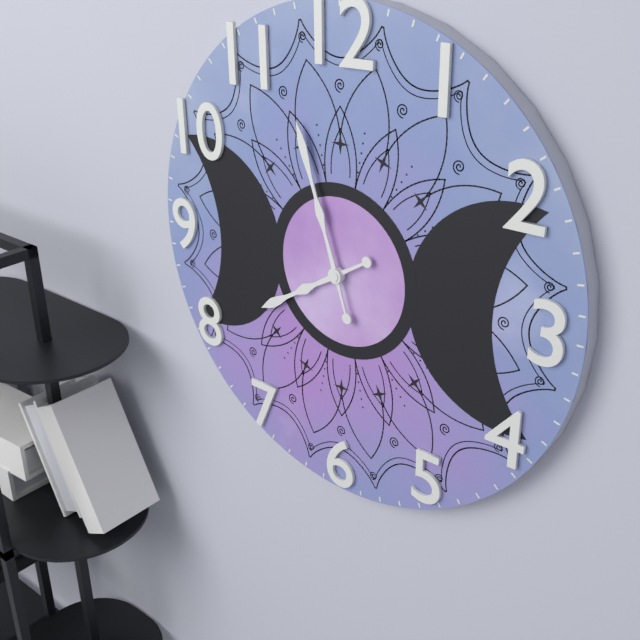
**7:57**
